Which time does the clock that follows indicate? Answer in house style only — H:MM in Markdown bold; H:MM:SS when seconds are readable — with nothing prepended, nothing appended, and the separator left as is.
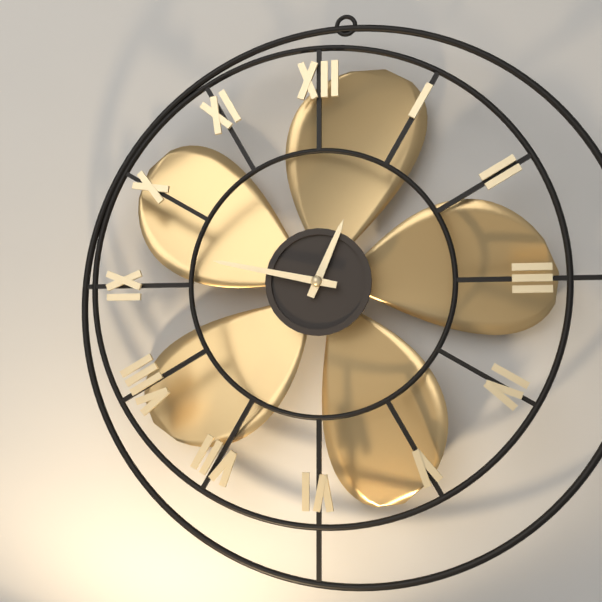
**12:47**
